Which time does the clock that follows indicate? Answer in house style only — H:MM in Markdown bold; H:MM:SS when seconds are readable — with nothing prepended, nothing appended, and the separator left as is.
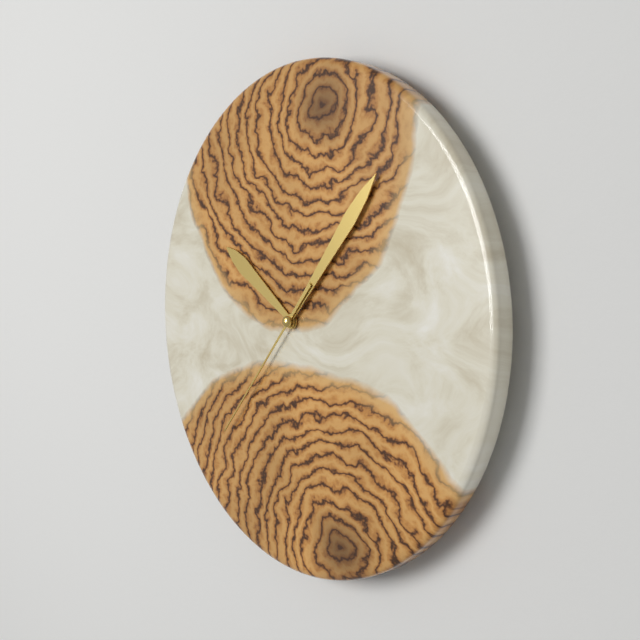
**10:07:37**
